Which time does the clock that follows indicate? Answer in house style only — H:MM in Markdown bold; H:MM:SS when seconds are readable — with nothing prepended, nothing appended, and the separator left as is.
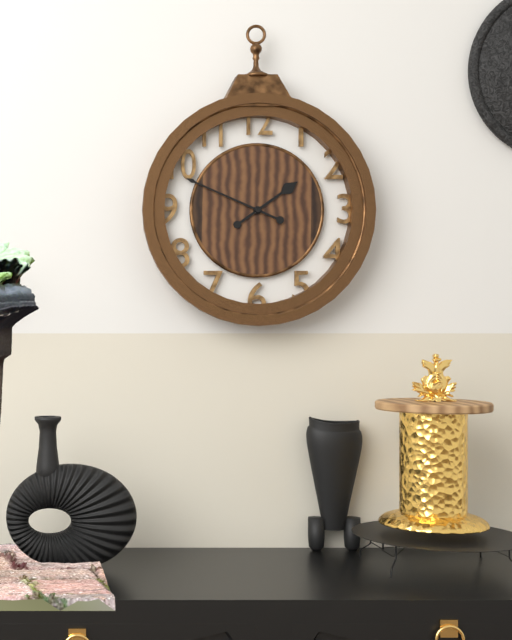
**1:49**
